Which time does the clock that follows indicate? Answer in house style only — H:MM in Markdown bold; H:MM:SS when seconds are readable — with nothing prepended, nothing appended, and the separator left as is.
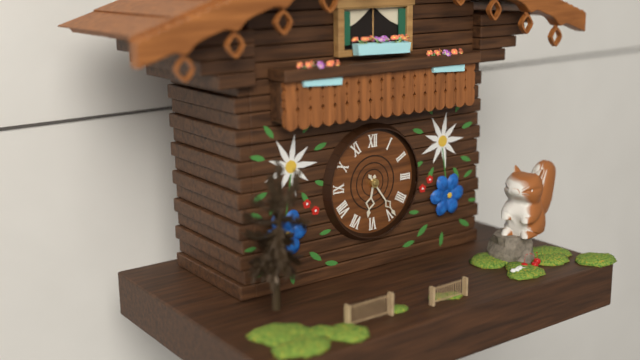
**6:24**
